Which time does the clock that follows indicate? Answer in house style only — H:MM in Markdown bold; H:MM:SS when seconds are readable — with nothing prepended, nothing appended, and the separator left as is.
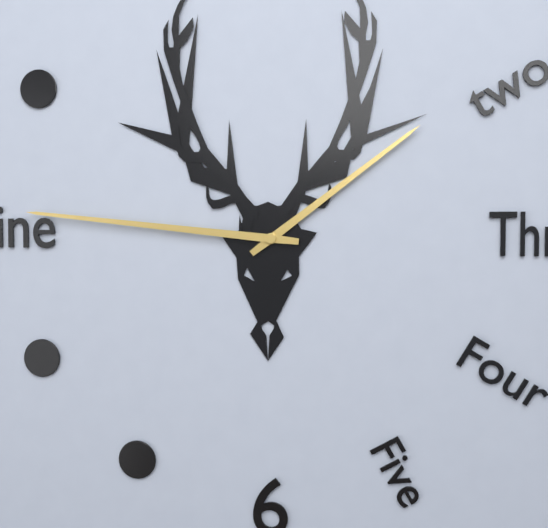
**1:46**
